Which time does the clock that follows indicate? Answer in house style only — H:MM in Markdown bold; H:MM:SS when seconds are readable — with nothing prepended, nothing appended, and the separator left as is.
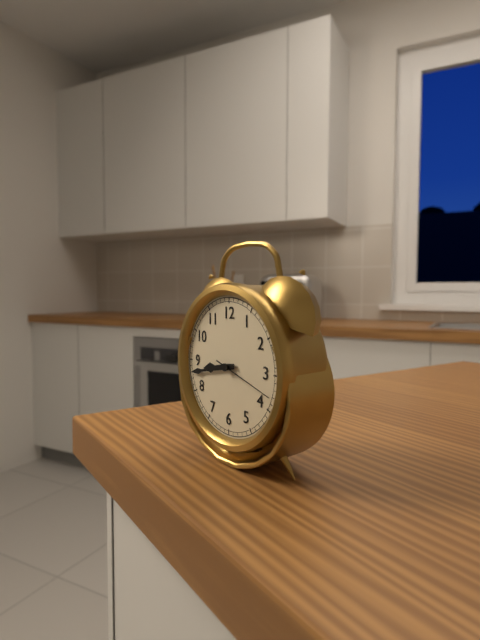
**8:43:18**
